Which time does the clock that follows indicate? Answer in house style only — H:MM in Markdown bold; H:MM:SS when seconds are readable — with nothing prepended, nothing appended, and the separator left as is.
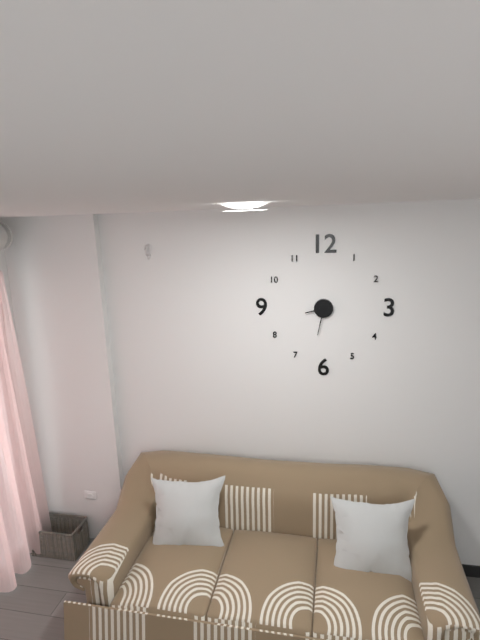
**8:32**
